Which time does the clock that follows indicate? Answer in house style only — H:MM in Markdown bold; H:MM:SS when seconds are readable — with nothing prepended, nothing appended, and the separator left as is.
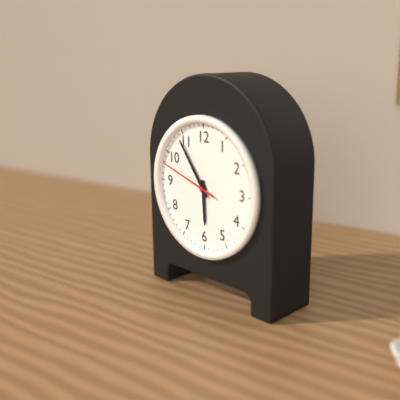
**5:54:48**
